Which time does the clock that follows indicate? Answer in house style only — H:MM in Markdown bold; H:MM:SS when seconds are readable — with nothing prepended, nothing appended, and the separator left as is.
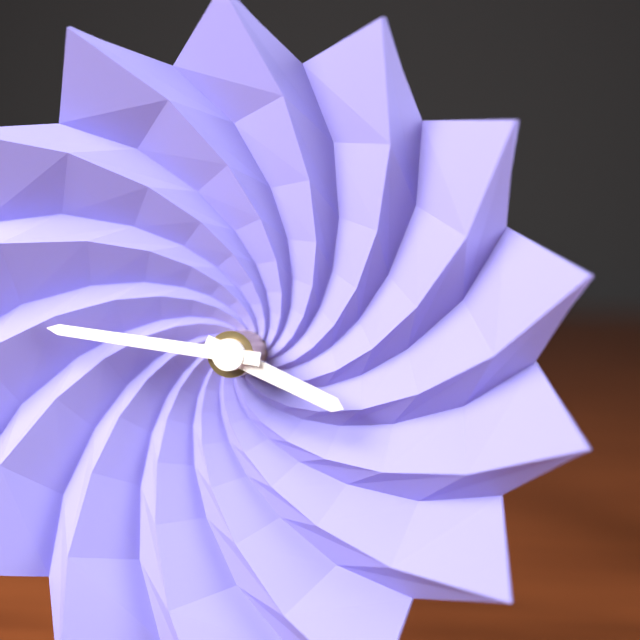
**3:46**
